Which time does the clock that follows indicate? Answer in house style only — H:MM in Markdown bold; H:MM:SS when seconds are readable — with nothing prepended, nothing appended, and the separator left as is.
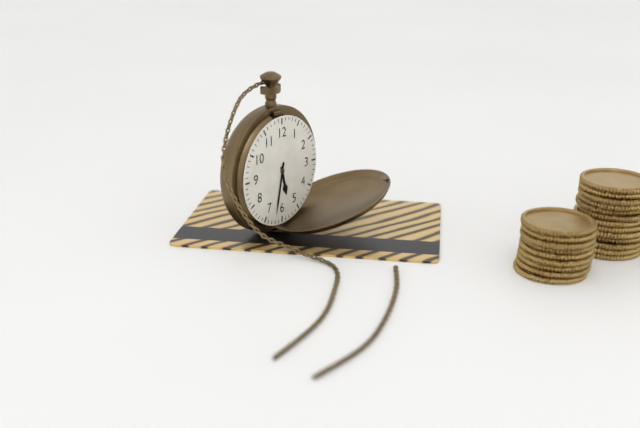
**5:32**
